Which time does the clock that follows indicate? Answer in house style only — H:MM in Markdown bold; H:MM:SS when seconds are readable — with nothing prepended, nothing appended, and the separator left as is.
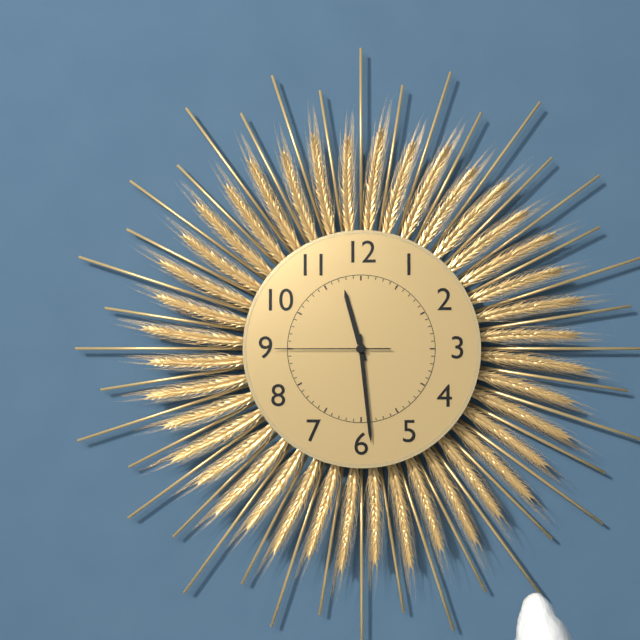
**11:29:45**
